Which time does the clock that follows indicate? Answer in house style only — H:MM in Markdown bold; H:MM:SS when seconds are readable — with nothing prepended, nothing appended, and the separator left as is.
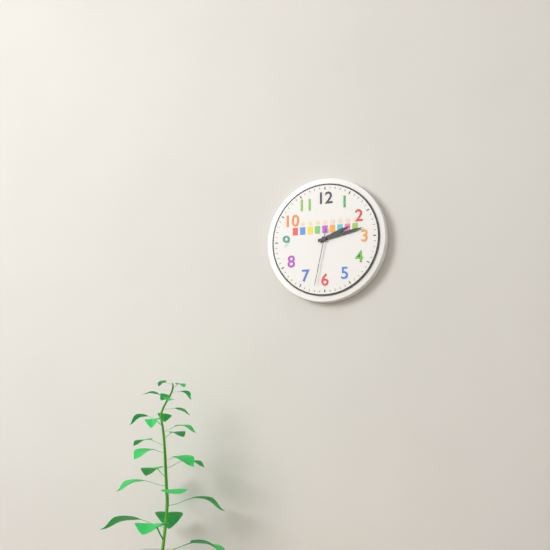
**2:13:32**
